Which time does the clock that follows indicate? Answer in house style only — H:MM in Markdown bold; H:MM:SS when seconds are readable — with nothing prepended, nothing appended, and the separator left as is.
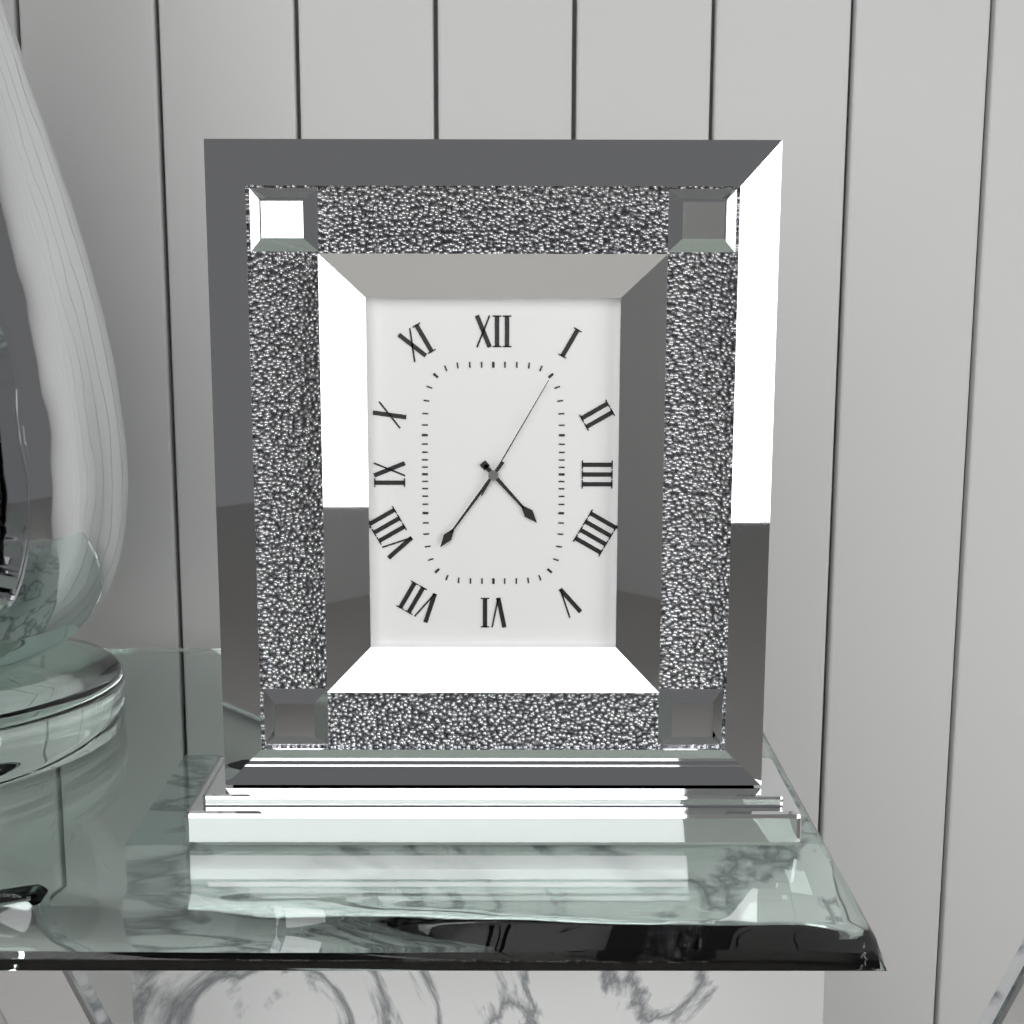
**4:36:05**
